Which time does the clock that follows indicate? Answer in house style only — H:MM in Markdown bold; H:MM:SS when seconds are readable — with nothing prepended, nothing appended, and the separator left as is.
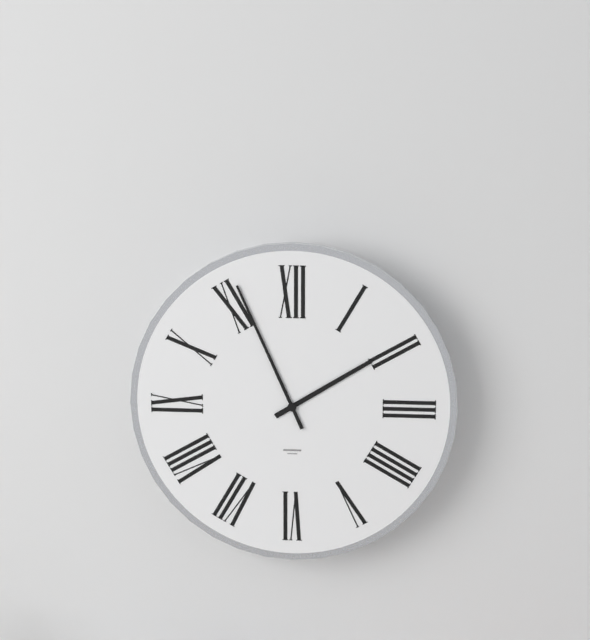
**1:56**
